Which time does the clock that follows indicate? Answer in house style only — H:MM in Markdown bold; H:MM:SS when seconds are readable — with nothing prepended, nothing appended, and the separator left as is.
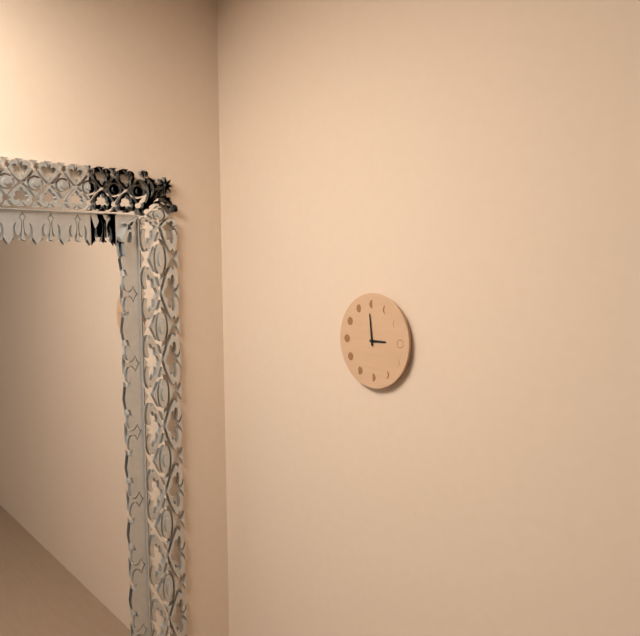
**2:59**
